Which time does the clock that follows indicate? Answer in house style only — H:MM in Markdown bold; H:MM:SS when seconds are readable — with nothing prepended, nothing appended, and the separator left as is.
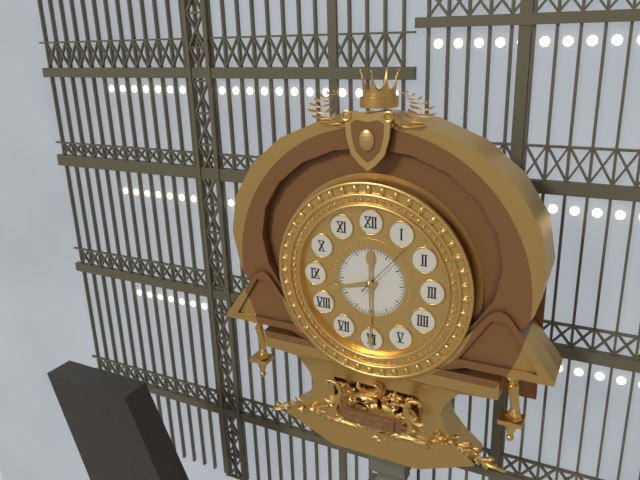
**8:30:07**
